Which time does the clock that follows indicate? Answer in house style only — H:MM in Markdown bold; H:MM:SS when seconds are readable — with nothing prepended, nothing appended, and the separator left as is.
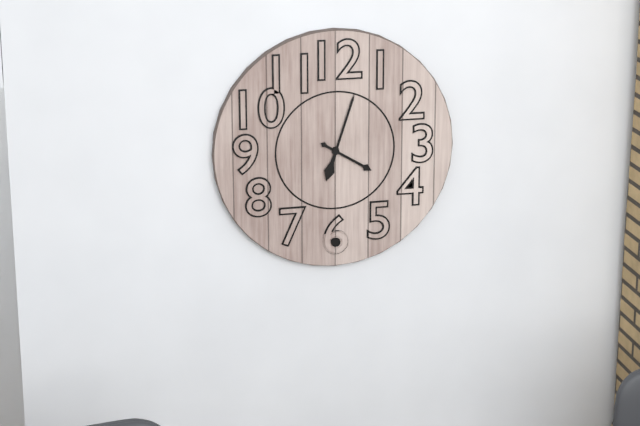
**4:03**
